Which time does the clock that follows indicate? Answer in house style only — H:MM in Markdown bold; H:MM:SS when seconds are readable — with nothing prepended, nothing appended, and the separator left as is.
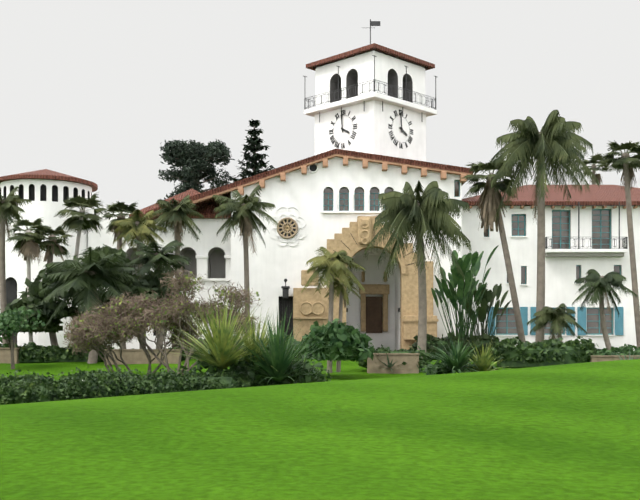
**3:59**
